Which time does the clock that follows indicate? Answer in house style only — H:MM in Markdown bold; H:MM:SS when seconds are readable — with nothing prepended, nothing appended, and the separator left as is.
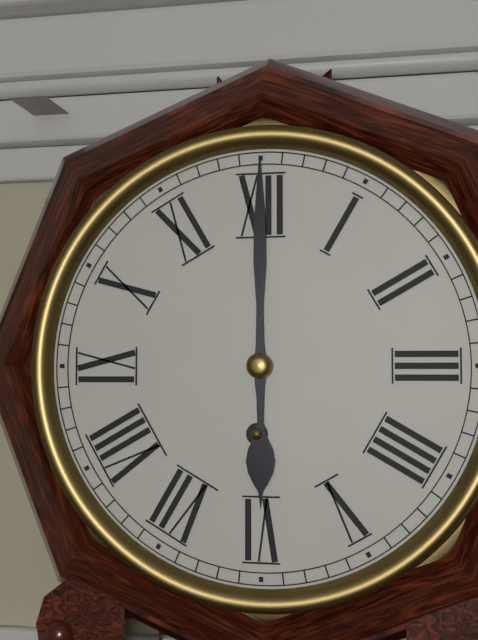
**6:00**
